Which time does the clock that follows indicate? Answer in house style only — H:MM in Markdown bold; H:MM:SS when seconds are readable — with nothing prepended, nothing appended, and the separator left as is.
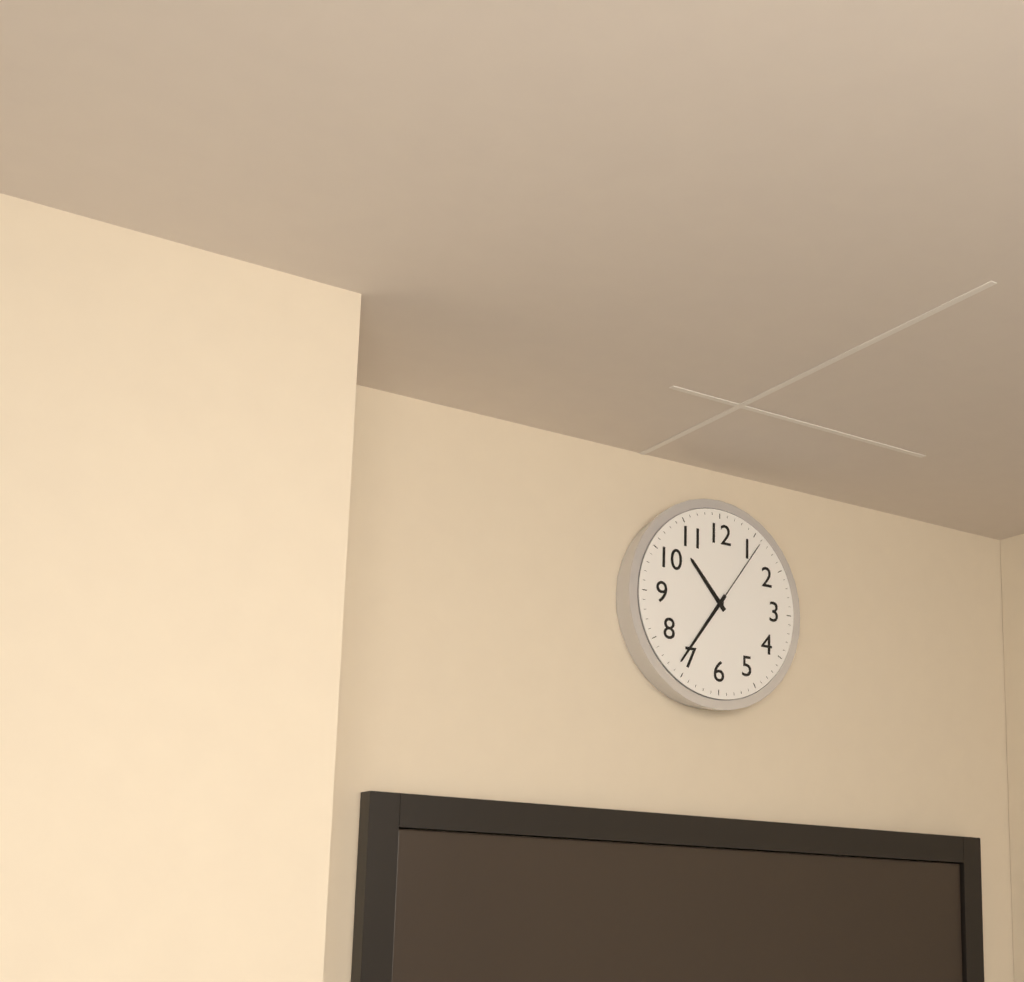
**10:36:06**
